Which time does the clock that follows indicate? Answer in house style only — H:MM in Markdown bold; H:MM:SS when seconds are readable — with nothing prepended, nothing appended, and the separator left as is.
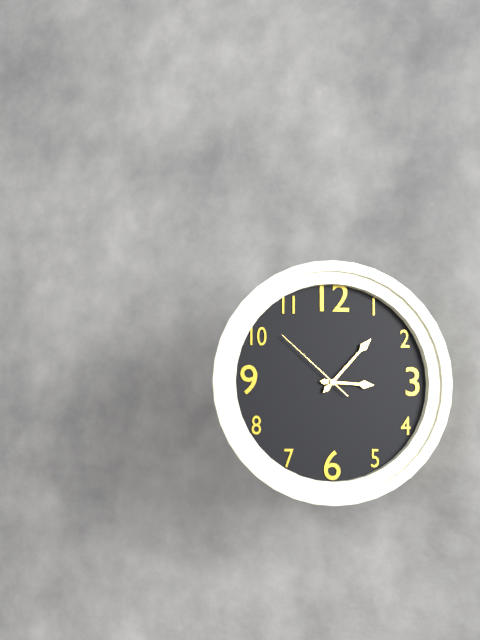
**3:07:52**
